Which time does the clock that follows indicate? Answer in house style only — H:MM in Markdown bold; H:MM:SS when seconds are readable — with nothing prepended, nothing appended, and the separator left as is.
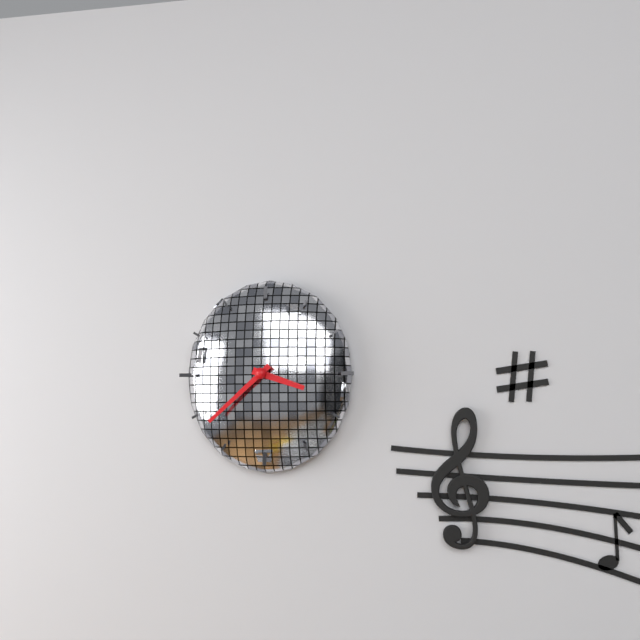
**3:38**
